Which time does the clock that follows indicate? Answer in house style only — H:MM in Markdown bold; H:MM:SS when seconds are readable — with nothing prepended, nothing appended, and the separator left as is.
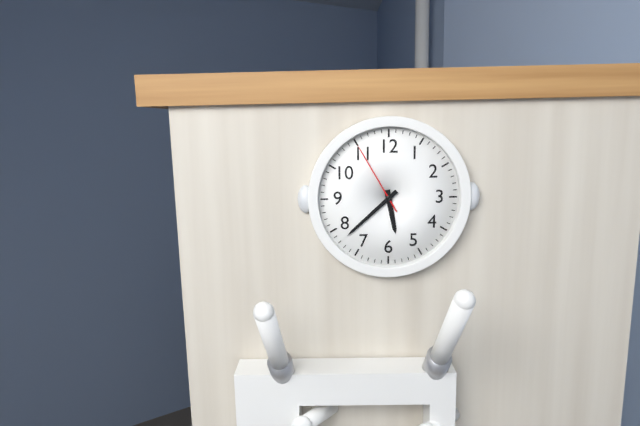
**5:38:55**
